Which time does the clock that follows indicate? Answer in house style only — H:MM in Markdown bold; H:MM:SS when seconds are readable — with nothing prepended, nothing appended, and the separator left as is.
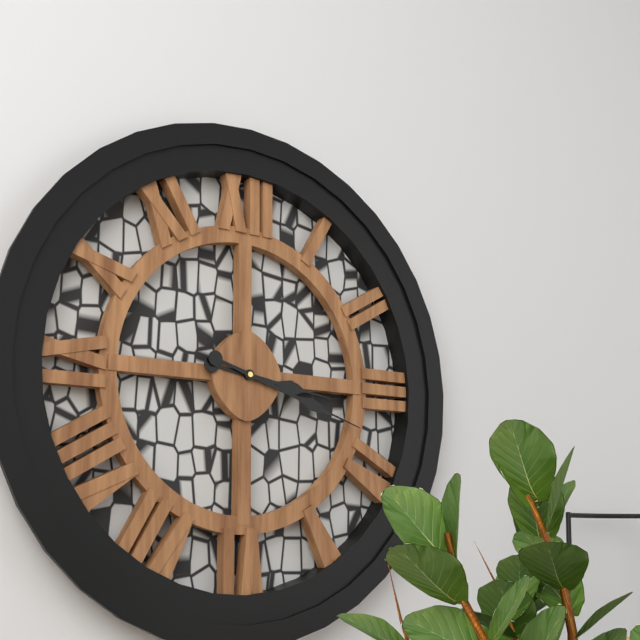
**3:18**
